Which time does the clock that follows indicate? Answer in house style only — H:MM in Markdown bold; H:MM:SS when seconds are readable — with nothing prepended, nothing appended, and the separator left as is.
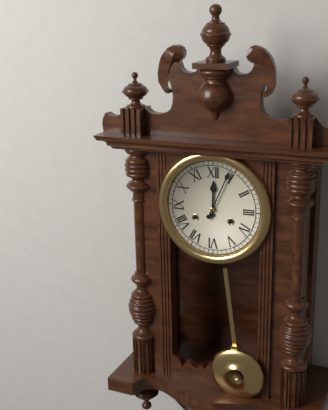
**12:04**
